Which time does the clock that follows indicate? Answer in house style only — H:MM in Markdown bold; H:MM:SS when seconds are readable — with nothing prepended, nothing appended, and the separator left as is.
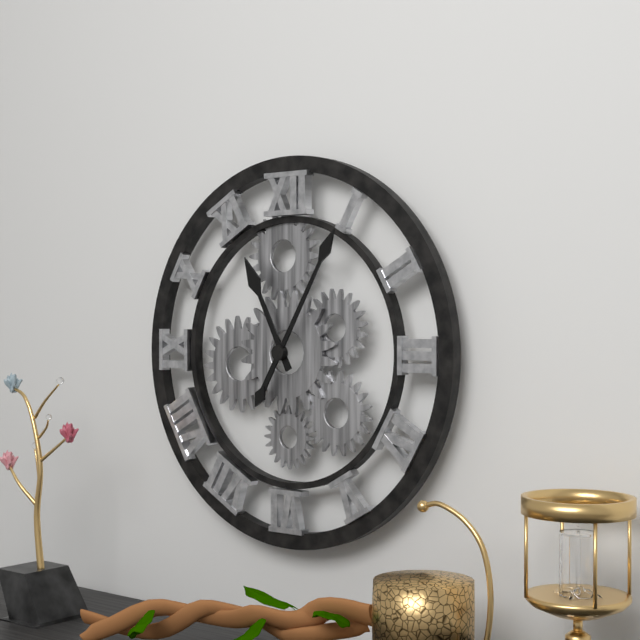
**11:05**
